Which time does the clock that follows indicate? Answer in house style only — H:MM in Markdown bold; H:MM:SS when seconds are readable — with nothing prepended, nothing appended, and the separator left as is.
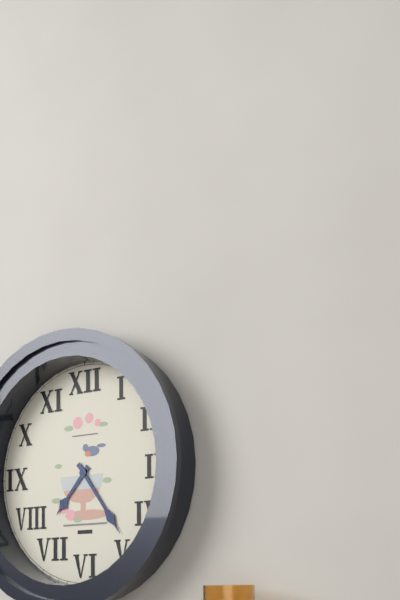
**7:24**
